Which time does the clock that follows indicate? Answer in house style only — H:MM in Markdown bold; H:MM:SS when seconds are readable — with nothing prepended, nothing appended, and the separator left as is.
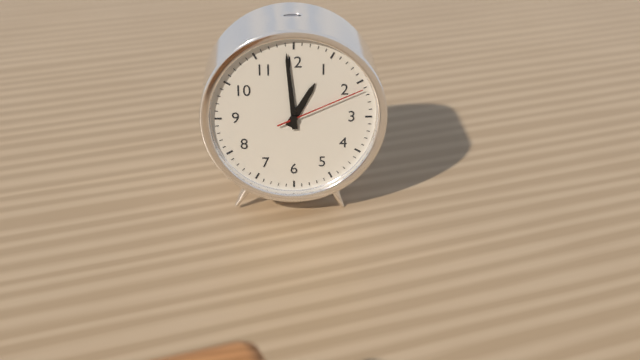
**12:59:11**
